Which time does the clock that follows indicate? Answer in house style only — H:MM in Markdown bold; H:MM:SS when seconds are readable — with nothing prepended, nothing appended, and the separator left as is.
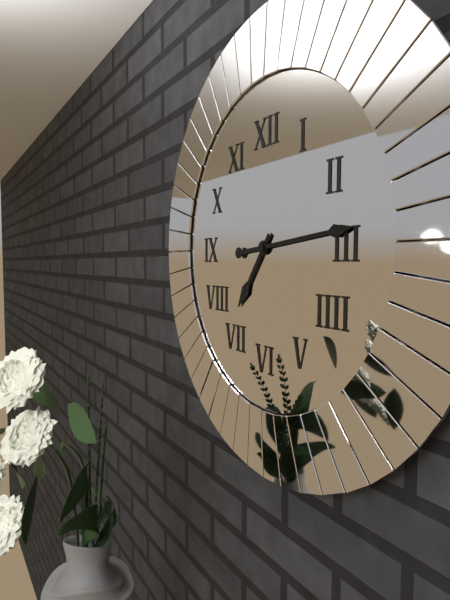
**7:14**
